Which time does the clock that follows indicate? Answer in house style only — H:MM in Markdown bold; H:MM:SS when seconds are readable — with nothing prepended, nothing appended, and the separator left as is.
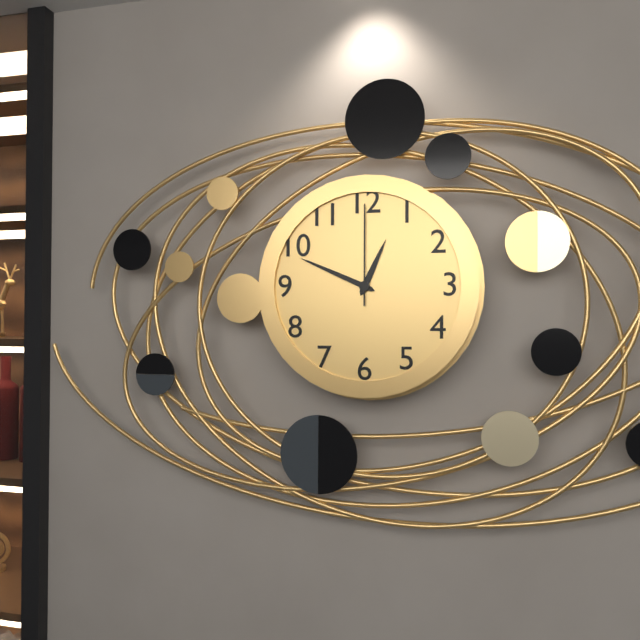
**12:49:00**
